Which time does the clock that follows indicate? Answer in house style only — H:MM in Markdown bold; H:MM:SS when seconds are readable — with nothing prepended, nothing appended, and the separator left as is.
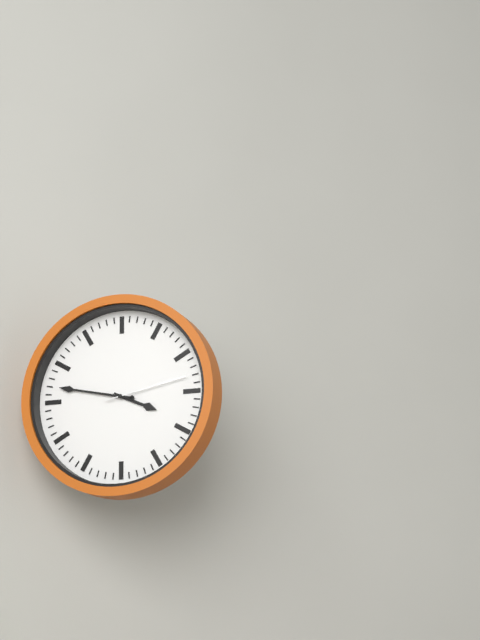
**3:47:13**
